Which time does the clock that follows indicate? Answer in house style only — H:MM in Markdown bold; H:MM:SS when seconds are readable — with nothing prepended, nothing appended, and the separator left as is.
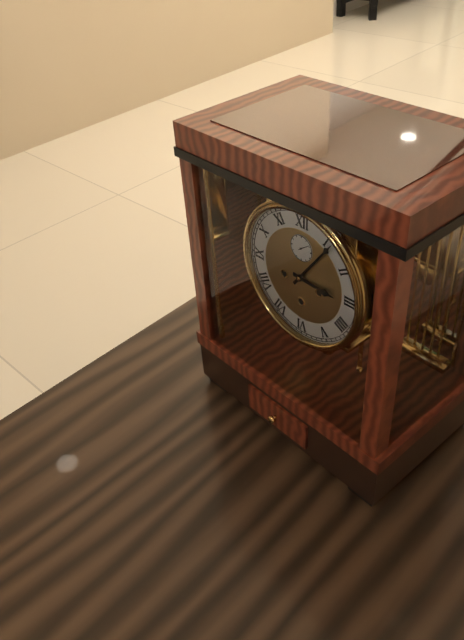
**3:06**
